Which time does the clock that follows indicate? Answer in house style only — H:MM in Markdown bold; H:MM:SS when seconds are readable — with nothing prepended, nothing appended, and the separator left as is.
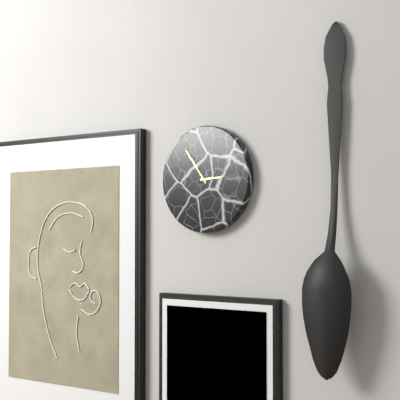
**2:54**
